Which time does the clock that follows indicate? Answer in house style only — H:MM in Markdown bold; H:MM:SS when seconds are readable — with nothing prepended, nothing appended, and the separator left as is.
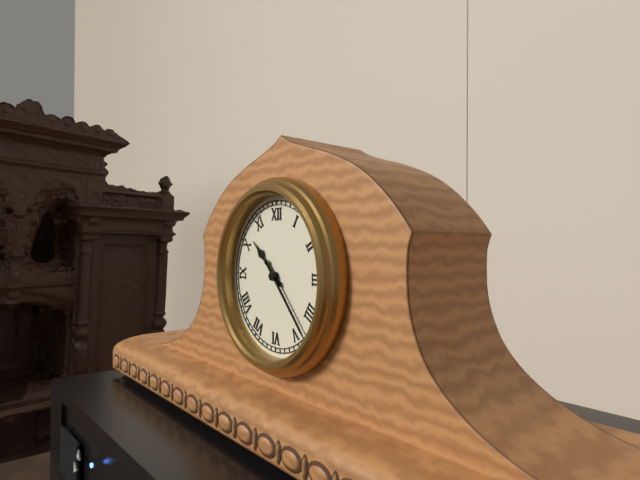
**10:23**
